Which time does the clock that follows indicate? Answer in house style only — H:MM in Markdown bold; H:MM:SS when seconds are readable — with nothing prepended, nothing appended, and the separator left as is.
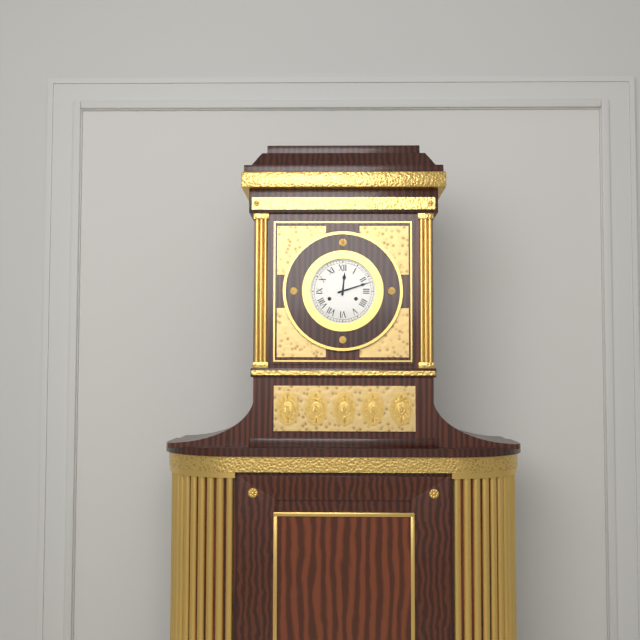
**12:12**
